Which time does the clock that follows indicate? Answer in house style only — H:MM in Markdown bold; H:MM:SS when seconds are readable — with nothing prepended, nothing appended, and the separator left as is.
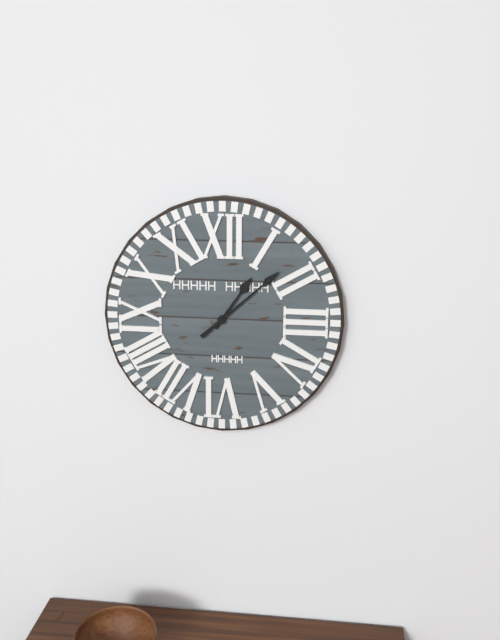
**1:08**
